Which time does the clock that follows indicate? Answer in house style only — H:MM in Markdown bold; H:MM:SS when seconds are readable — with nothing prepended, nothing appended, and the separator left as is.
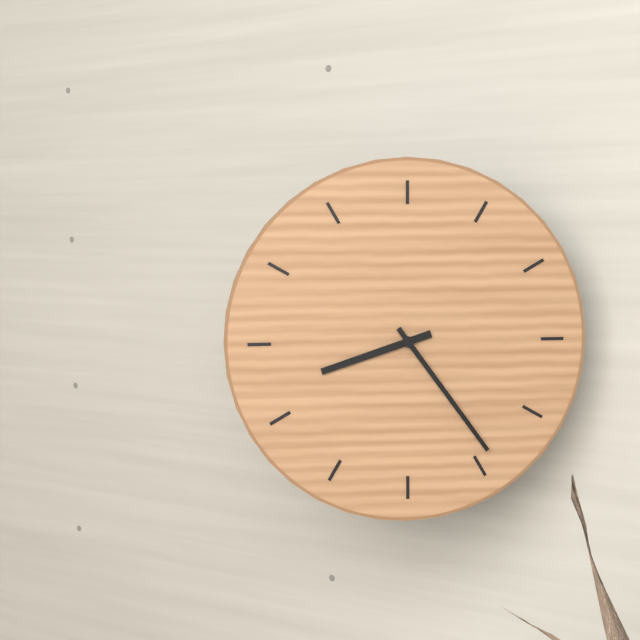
**8:24**
